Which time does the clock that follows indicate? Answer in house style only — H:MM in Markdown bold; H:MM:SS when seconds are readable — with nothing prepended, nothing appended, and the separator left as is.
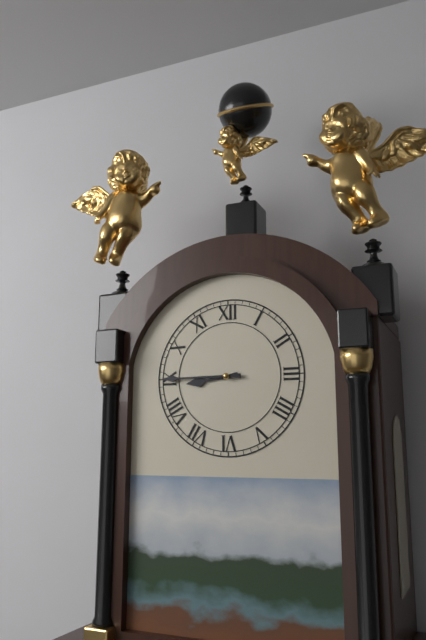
**8:45**
